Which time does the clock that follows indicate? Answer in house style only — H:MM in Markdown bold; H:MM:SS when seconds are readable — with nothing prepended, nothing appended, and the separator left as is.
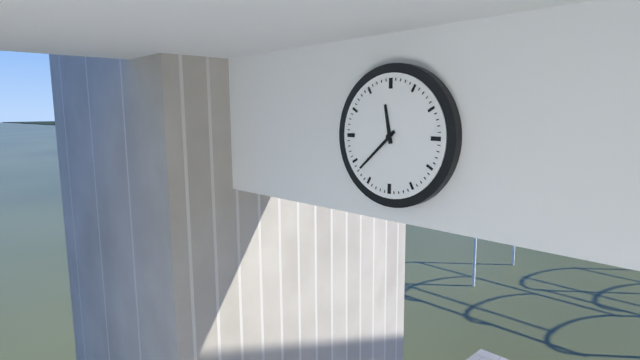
**11:38**
